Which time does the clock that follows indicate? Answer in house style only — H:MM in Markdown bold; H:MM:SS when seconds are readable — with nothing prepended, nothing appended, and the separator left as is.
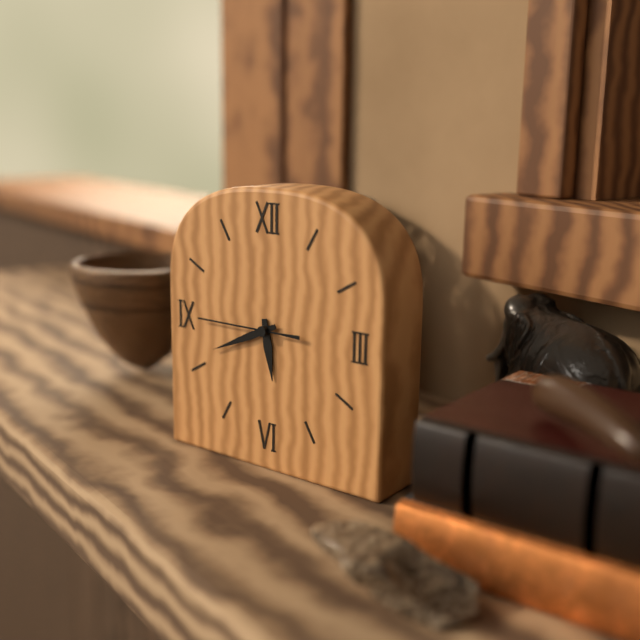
**5:41:45**
